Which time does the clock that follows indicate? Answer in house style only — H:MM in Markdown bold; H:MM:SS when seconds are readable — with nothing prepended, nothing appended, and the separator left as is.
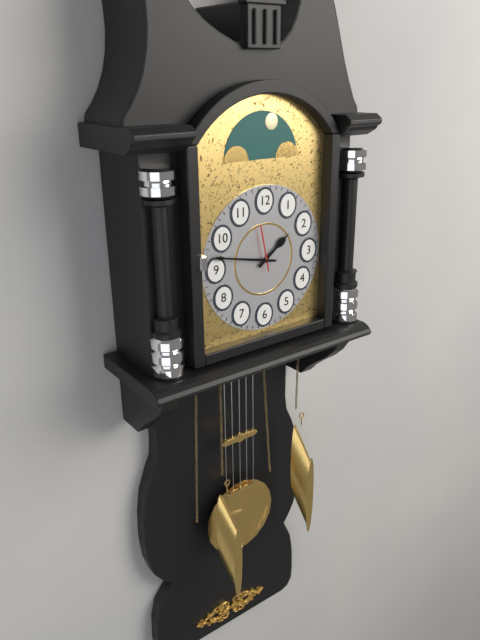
**1:47**
